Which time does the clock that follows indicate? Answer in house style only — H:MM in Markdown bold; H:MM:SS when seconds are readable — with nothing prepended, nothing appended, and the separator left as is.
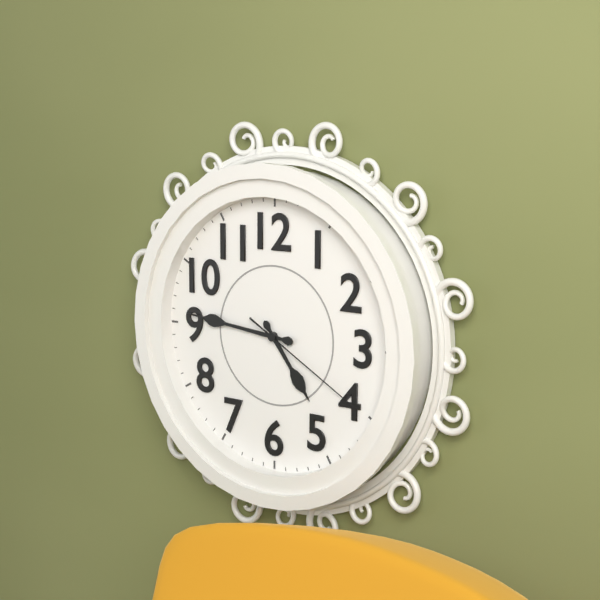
**4:46:20**
